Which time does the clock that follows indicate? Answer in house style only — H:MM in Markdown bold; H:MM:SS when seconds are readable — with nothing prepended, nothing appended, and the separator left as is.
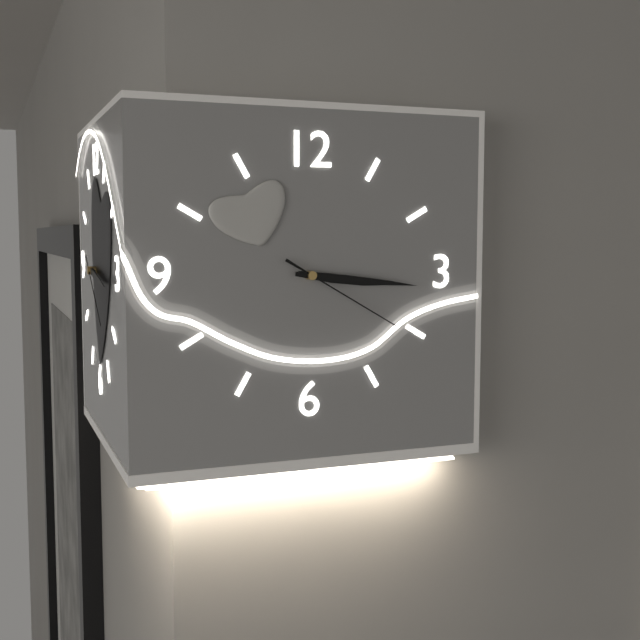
**3:16:20**
